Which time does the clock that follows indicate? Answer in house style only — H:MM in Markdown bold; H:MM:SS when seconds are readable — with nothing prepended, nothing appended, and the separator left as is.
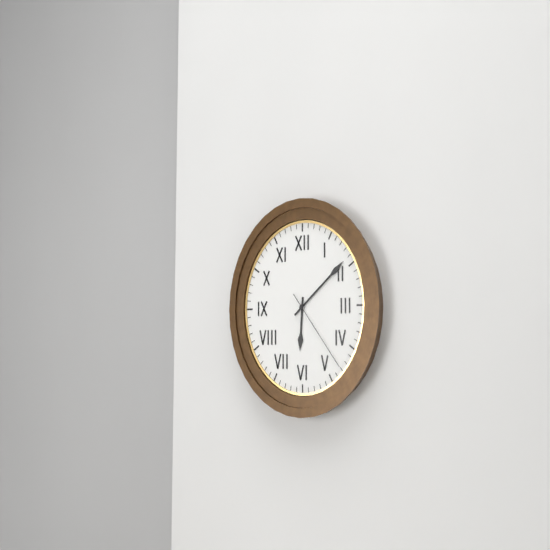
**6:09:23**
